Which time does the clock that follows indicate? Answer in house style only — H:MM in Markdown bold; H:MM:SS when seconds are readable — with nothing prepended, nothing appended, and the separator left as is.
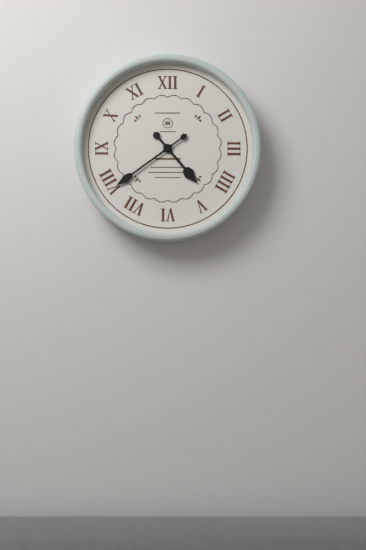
**4:39**
